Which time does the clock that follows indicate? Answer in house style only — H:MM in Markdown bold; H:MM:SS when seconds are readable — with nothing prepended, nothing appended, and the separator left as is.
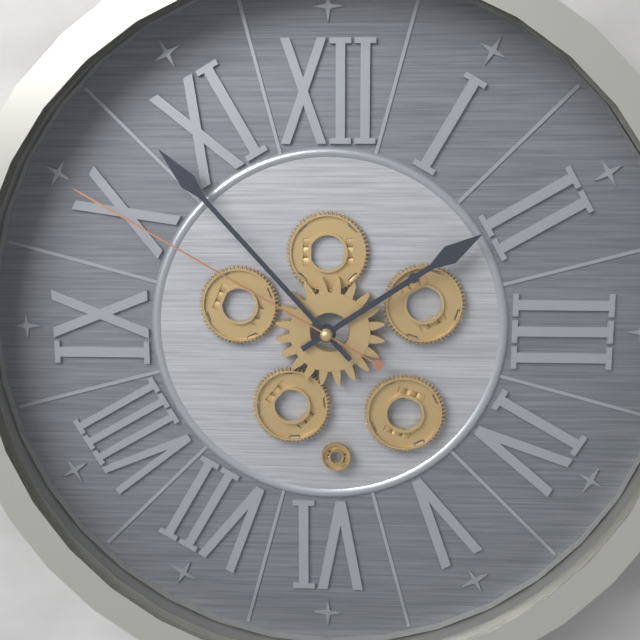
**1:53:50**
